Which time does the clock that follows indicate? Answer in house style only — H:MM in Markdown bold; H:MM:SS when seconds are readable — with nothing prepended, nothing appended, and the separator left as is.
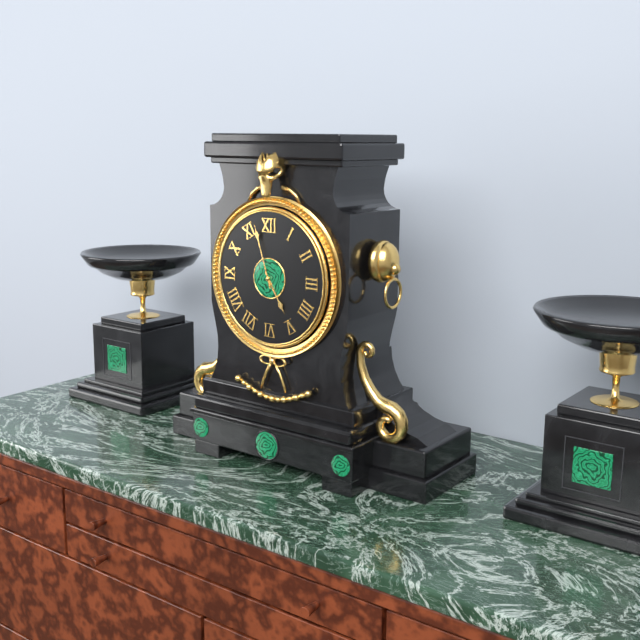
**4:57**
